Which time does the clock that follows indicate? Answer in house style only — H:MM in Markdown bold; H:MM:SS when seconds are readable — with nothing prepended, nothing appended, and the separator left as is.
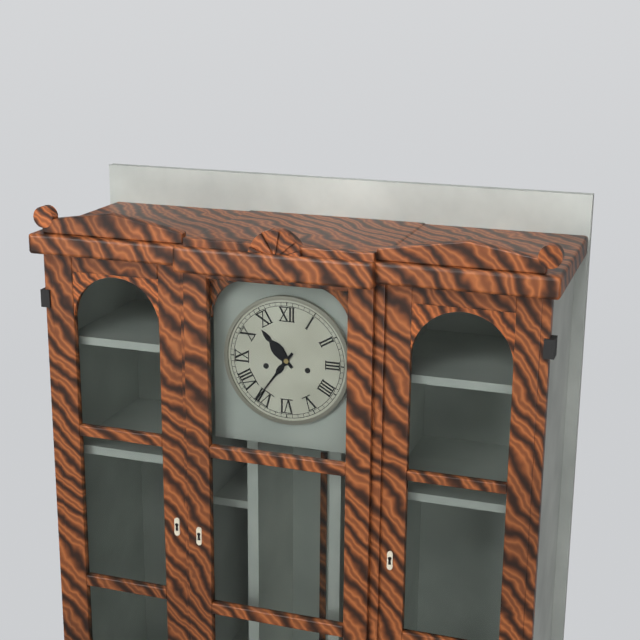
**10:36**
